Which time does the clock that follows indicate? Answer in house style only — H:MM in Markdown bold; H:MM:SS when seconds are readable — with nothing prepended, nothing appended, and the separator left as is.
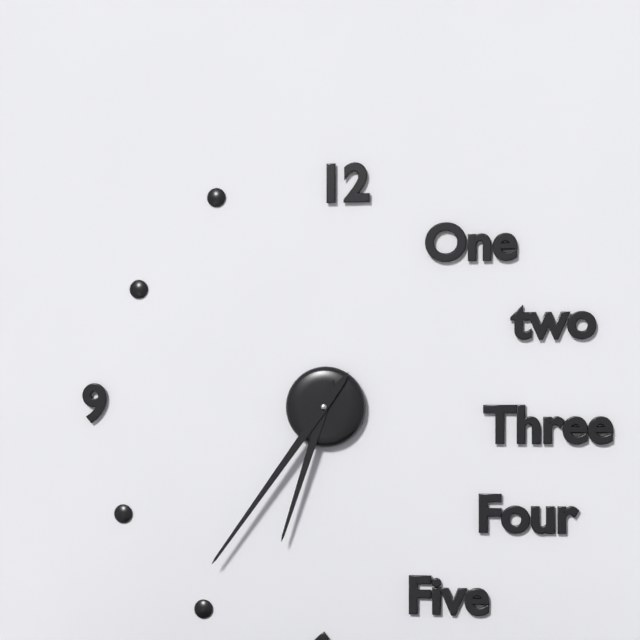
**6:36**
